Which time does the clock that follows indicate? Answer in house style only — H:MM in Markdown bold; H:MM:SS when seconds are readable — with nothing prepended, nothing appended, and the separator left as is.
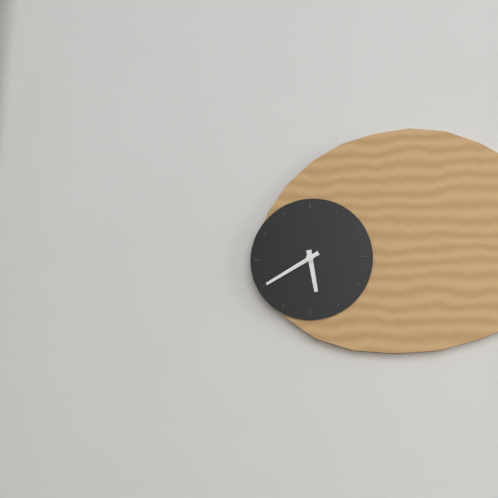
**5:40**
